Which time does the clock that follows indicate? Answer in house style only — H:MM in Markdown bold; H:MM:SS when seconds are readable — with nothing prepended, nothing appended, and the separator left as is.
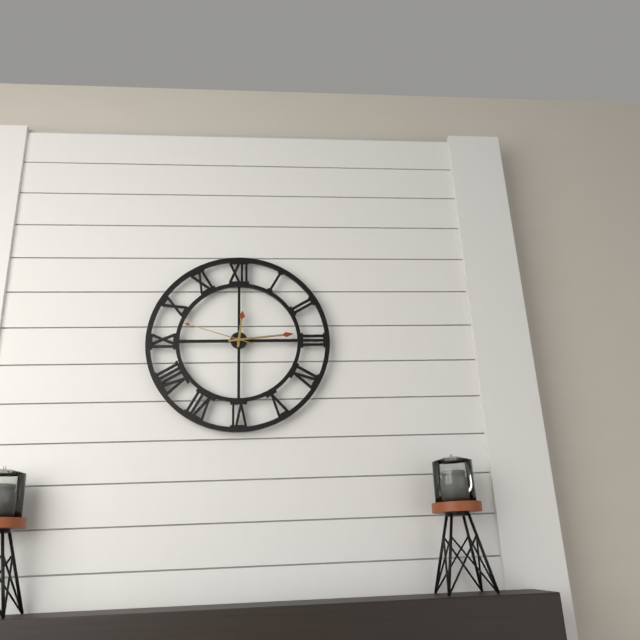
**12:14:48**
